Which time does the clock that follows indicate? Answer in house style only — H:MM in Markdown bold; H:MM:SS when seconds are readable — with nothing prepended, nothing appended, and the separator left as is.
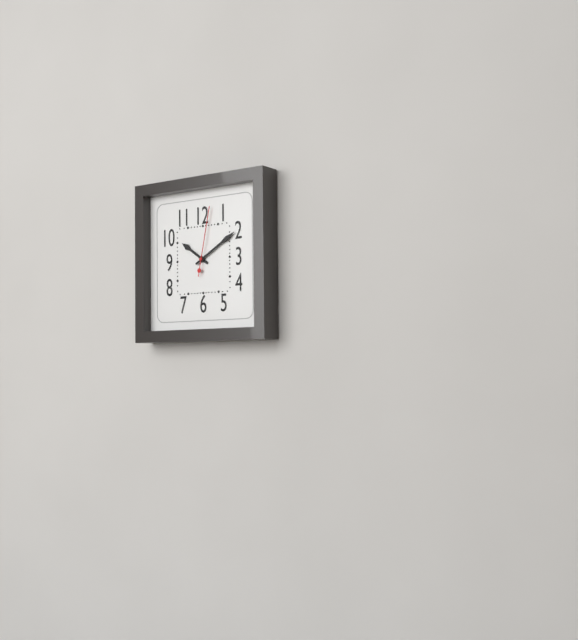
**10:10:02**
